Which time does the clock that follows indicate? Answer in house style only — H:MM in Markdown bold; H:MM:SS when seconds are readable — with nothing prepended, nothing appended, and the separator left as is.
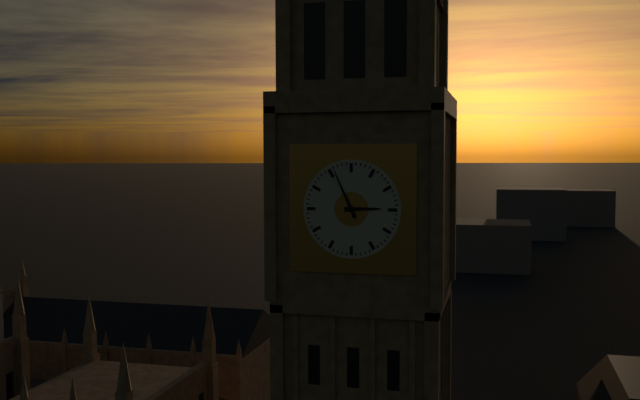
**2:56**
